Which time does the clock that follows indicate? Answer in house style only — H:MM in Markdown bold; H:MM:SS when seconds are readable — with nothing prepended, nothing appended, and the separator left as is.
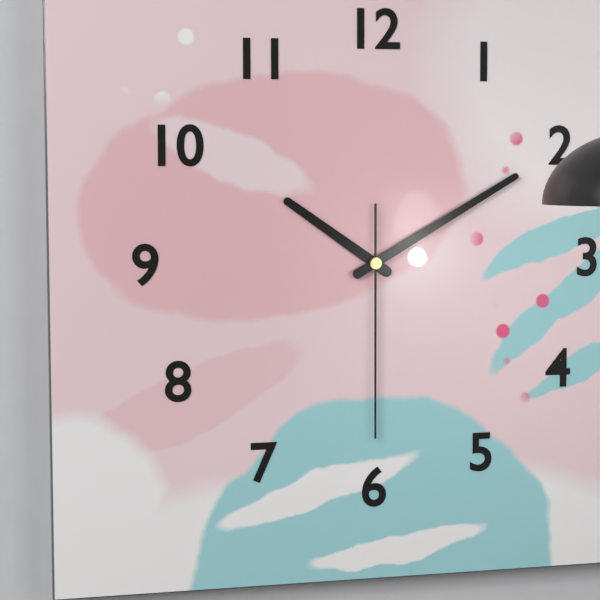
**10:10:30**
